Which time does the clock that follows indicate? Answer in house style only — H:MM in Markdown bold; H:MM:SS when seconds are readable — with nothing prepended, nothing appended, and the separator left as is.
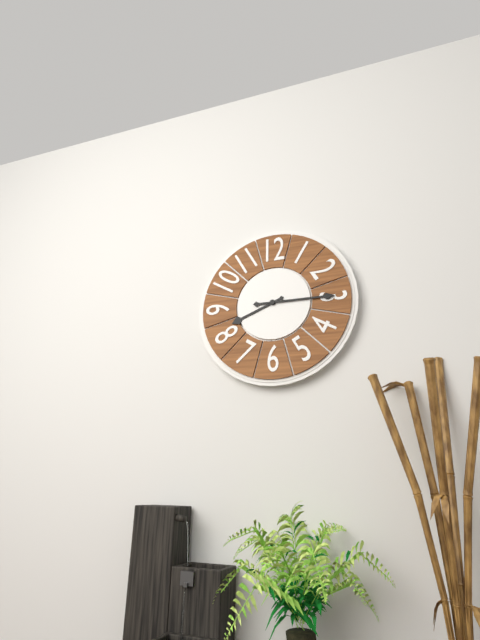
**8:15**
